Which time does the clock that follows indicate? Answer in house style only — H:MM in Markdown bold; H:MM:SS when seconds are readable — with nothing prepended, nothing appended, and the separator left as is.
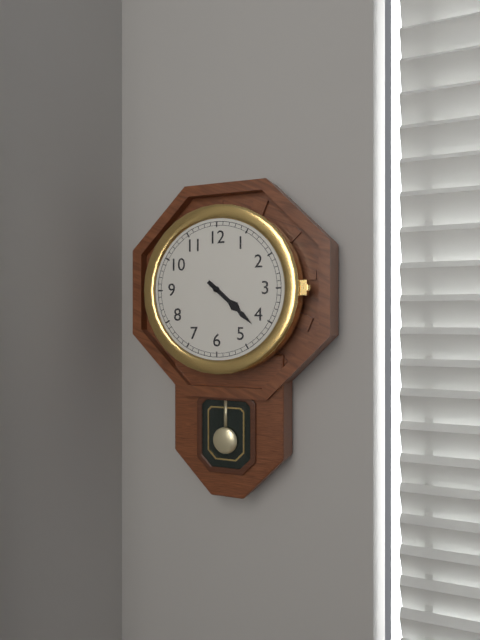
**4:22**
